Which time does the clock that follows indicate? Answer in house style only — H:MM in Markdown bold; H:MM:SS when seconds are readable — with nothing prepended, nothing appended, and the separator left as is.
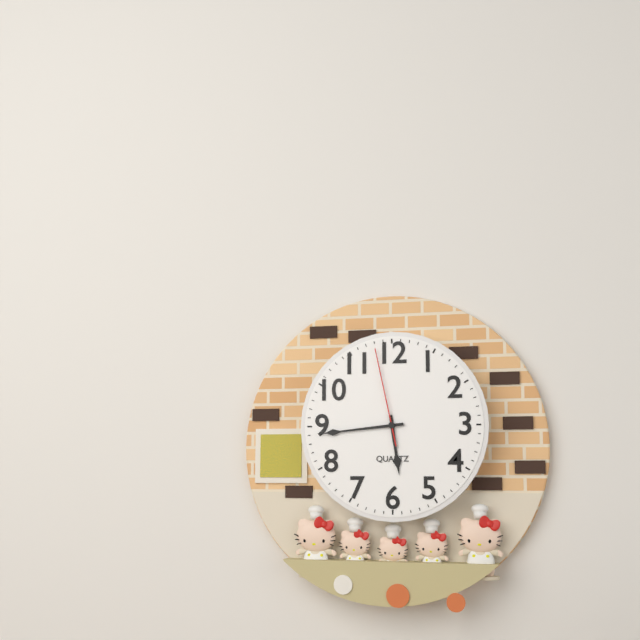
**5:44:58**
